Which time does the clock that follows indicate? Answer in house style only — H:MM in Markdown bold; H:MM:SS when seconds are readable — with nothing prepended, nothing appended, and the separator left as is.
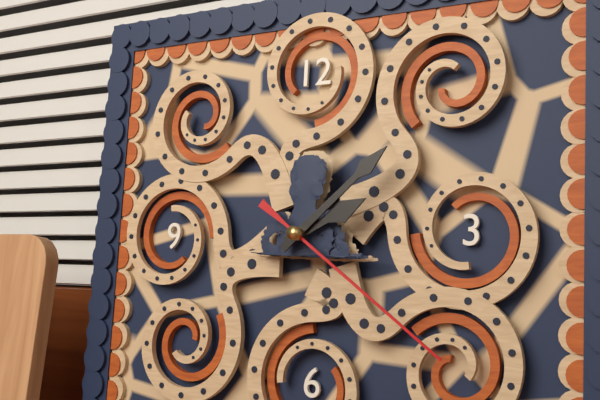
**2:08:21**
